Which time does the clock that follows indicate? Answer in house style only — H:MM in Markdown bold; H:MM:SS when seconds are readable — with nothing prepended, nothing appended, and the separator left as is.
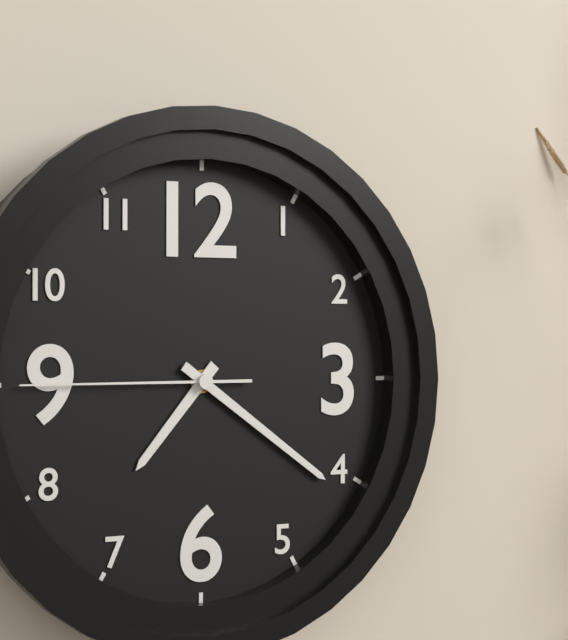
**7:21:45**
